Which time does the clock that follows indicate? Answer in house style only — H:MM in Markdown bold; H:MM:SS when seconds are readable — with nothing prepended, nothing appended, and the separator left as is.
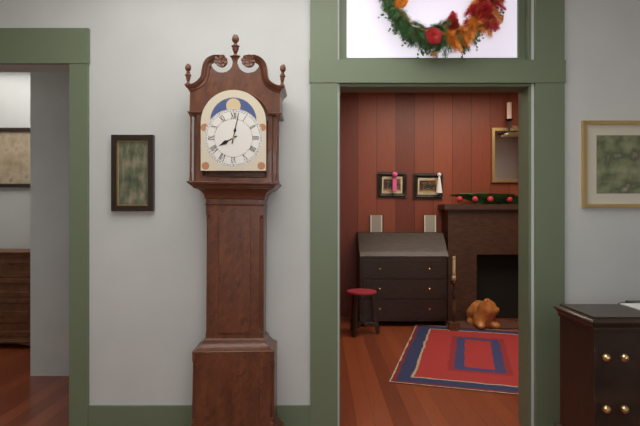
**8:02**
